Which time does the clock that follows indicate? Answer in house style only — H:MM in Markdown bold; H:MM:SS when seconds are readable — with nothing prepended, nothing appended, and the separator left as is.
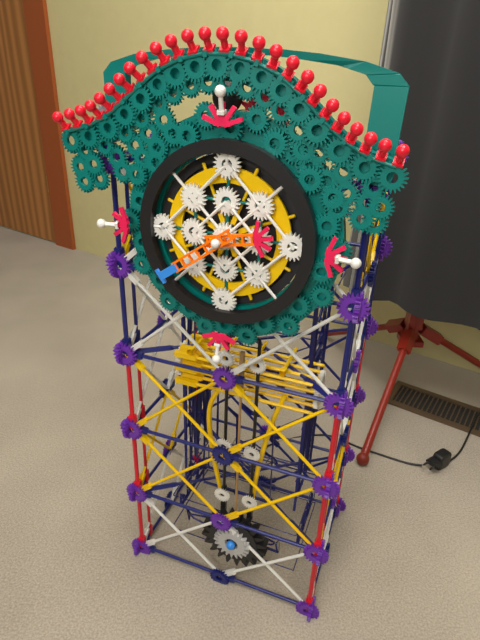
**2:39**
